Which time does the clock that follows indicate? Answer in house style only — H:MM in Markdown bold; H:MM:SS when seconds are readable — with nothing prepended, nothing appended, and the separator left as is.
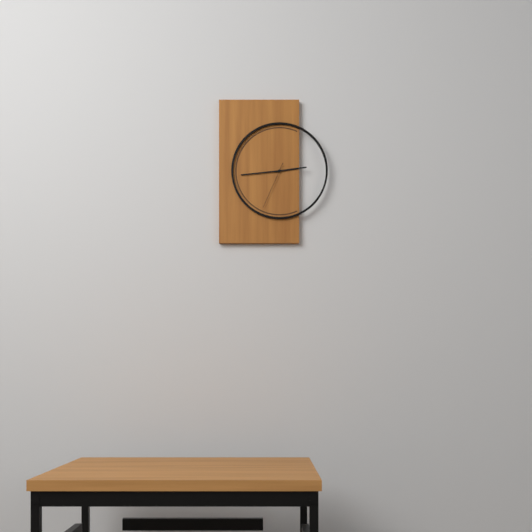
**2:44:34**
